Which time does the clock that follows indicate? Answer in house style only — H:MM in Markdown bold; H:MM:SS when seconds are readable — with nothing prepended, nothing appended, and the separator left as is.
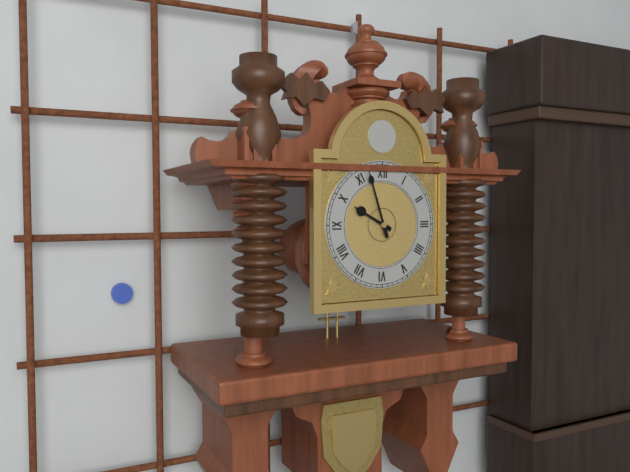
**9:57**
